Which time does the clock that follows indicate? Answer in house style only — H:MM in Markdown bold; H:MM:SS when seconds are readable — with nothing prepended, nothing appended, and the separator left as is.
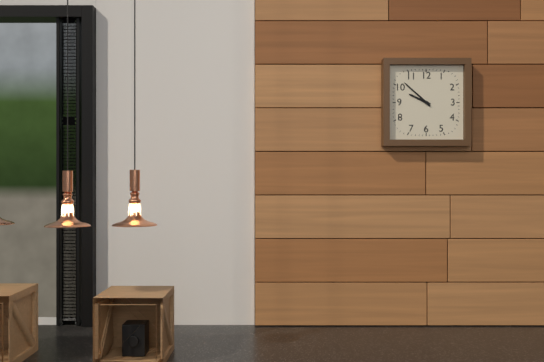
**9:52**
